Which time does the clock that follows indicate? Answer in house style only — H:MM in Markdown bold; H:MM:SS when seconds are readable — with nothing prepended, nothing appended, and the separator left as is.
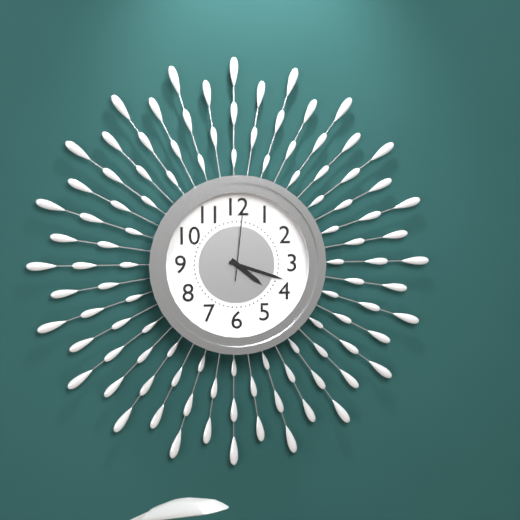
**4:18:01**
